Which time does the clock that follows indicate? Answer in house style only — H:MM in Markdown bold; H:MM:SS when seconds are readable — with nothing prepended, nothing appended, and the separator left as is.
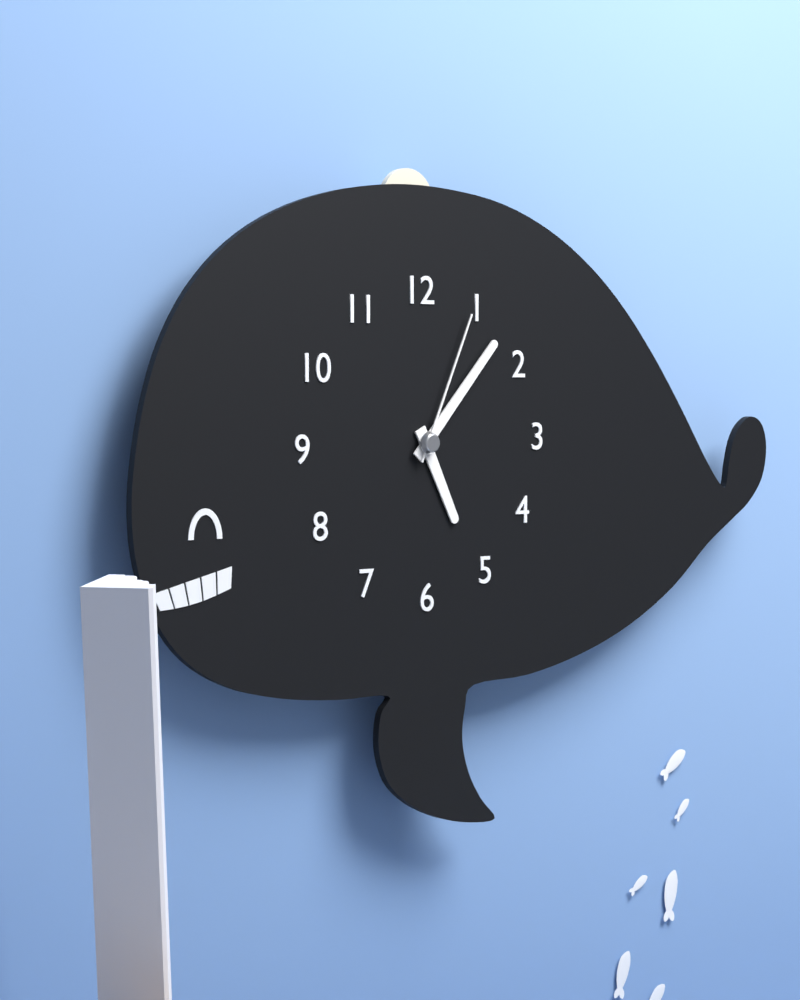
**5:07:04**
